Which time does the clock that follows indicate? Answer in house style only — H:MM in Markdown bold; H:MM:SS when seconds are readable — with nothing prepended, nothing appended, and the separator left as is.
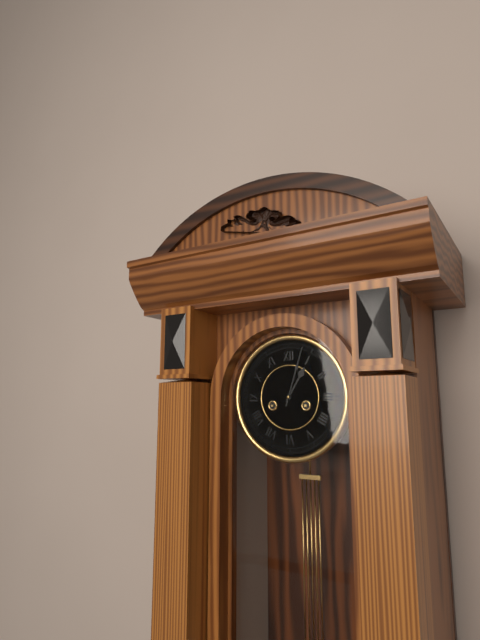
**1:03**
